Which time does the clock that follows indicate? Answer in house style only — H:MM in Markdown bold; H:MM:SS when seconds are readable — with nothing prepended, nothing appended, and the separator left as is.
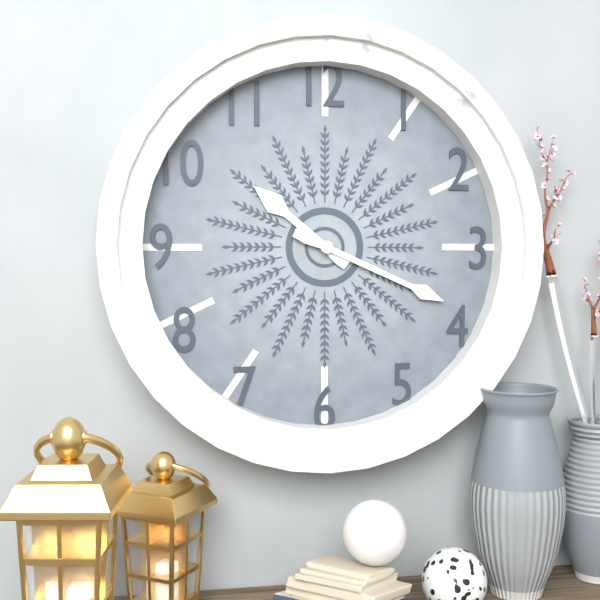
**10:19**
